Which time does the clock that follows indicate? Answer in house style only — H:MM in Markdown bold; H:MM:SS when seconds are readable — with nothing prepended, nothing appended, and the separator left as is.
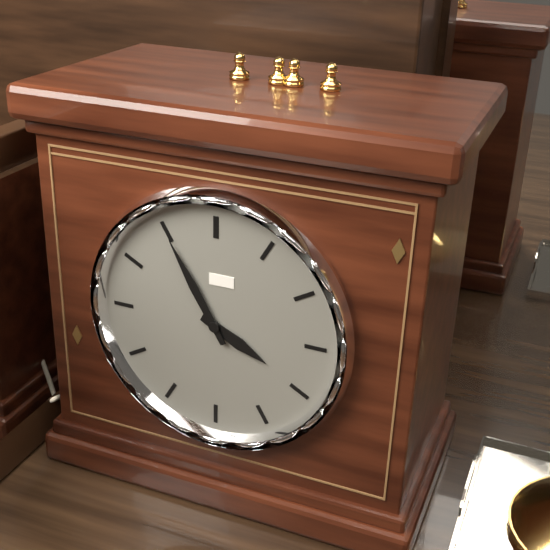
**3:55**
